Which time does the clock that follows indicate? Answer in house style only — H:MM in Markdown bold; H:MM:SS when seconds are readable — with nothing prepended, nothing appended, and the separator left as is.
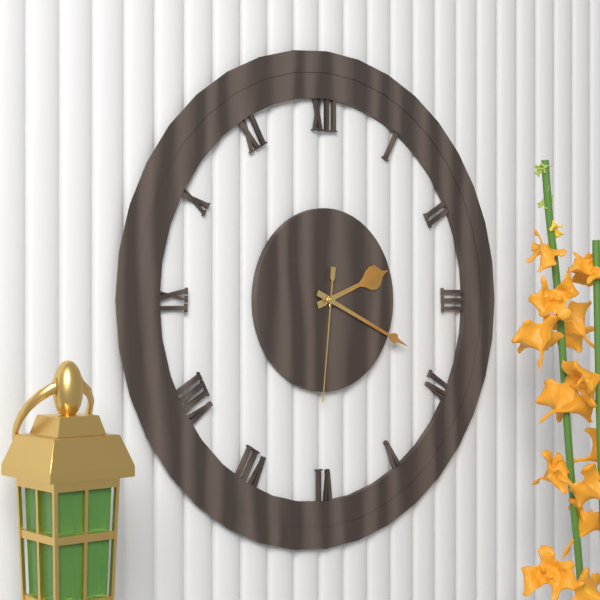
**2:19:31**
